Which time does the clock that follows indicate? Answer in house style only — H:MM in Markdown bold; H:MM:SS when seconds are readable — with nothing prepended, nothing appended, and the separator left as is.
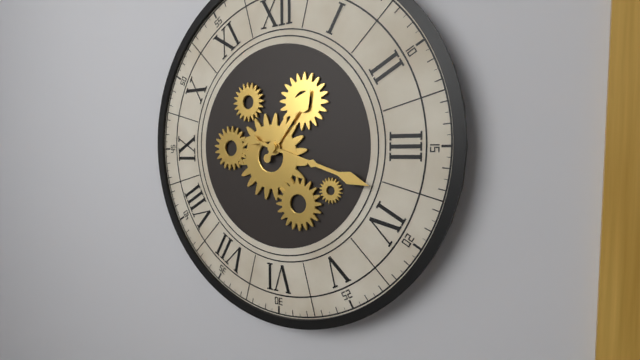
**1:18**
